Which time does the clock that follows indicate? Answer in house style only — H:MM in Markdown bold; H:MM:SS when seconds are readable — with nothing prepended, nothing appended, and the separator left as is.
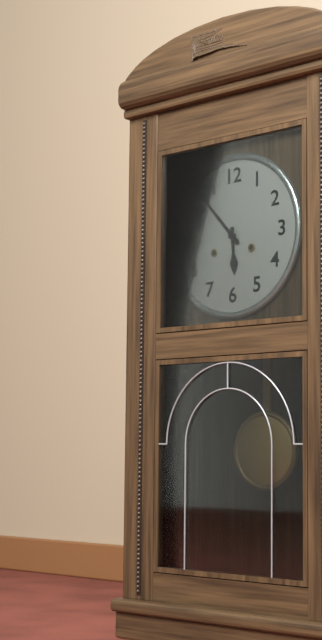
**5:53**
